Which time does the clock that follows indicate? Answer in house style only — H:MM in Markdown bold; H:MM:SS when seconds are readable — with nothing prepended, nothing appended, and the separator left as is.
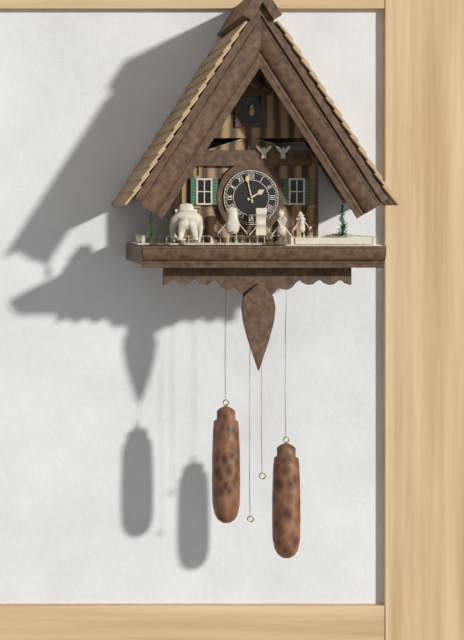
**1:58**
